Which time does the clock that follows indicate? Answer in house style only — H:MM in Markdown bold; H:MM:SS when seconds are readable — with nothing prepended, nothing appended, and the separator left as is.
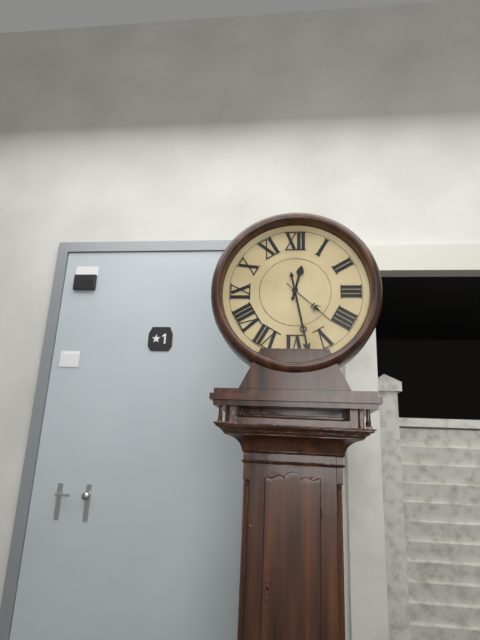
**12:28:22**
